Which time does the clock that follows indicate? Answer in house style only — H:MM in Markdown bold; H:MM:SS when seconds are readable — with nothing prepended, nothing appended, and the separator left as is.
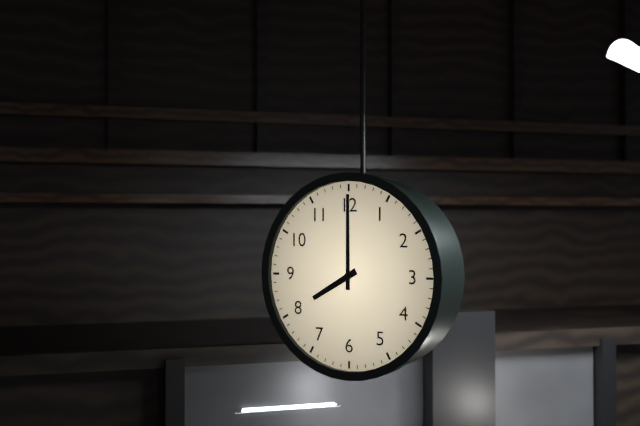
**8:00**
